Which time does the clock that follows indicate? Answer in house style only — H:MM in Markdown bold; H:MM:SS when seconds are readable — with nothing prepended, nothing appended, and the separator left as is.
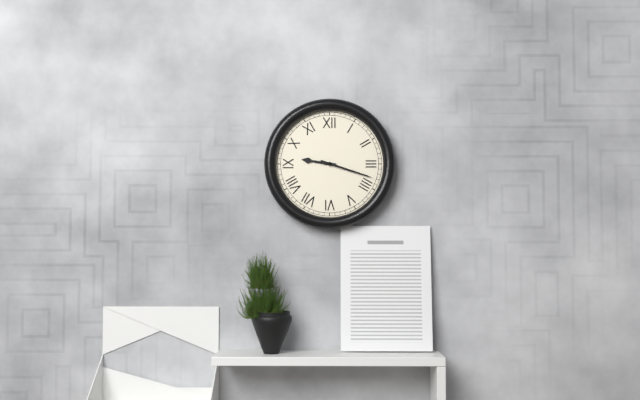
**9:18**
